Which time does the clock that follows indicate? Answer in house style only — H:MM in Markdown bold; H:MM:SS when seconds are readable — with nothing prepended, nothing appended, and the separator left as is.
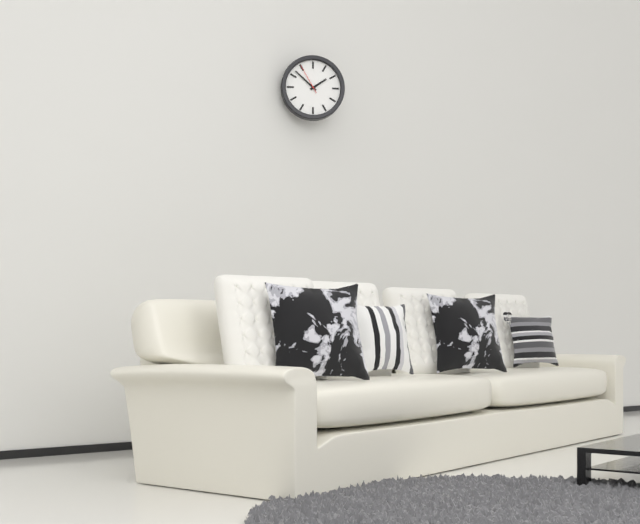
**1:52**
